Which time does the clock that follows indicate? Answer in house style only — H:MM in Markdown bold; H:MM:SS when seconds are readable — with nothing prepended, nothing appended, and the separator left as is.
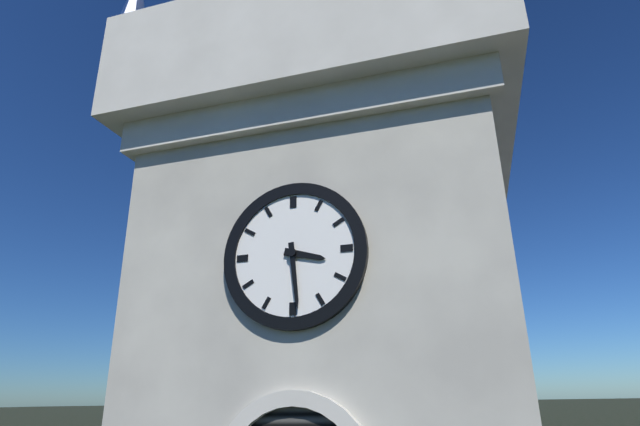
**3:29**
